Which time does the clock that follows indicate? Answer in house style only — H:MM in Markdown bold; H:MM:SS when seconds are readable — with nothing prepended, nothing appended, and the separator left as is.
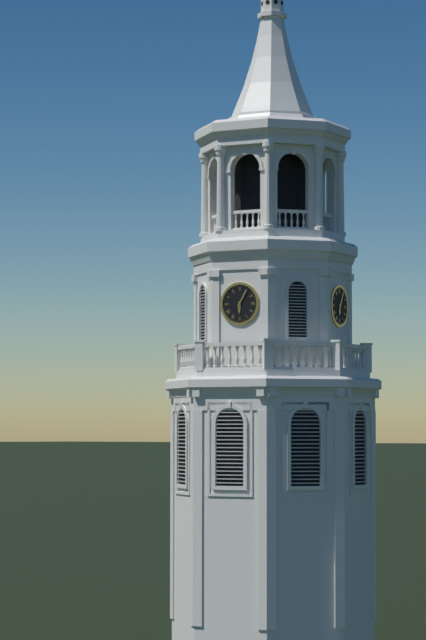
**6:05**
